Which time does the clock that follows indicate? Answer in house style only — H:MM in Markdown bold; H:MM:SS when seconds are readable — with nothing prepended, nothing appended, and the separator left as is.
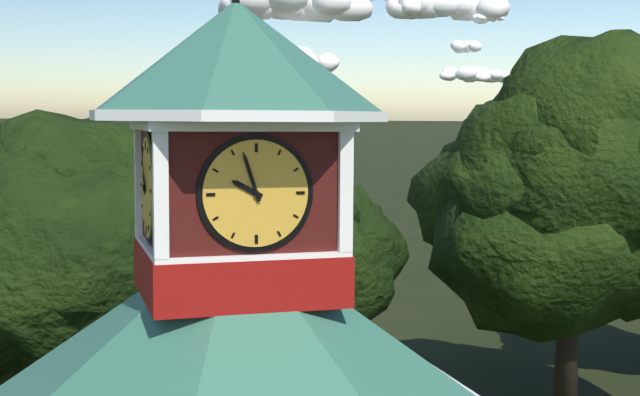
**9:57**
